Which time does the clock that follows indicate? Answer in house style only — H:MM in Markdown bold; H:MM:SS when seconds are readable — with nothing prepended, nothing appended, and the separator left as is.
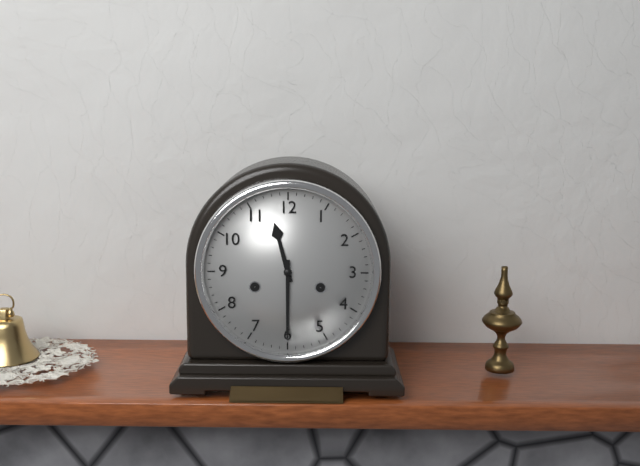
**11:30**
